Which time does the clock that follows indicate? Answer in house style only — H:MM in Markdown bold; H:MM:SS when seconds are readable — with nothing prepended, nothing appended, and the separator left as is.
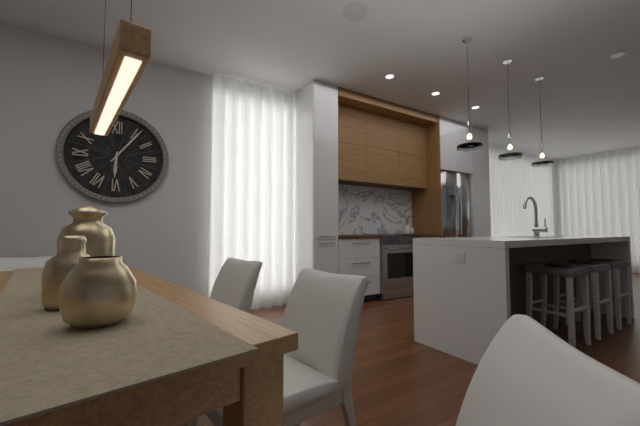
**6:06**
